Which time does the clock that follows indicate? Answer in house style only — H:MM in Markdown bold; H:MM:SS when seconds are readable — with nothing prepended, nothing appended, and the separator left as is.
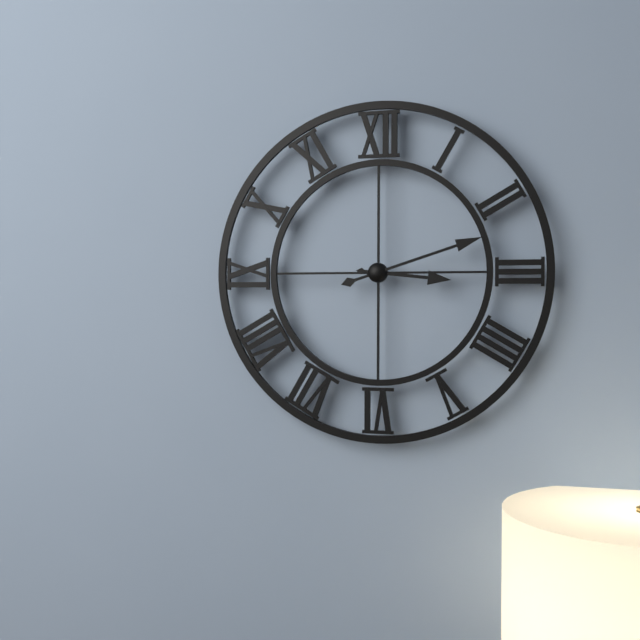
**3:12**
